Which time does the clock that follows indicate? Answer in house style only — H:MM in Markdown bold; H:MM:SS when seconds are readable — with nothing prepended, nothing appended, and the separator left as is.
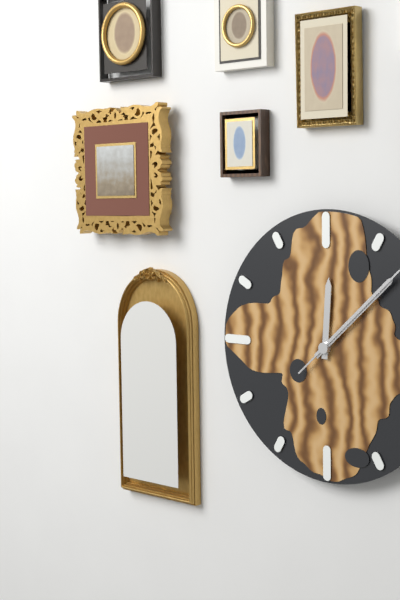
**12:08**
